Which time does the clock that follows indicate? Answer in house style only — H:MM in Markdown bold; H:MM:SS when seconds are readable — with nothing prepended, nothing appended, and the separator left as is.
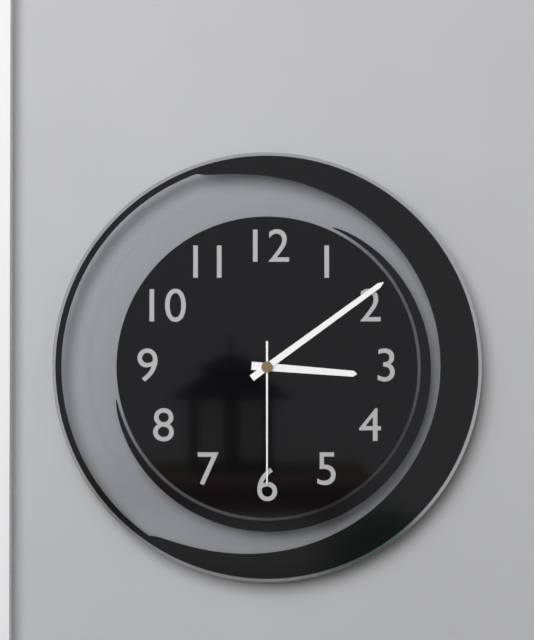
**3:09:30**
